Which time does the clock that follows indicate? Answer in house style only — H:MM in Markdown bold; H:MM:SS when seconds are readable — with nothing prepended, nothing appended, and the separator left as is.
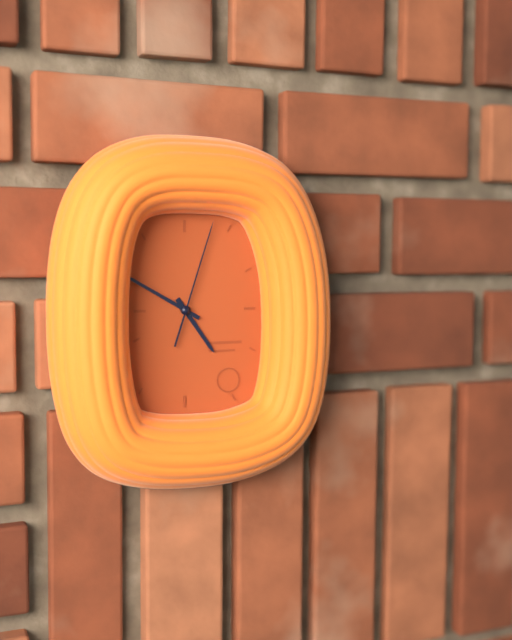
**4:50:03**
